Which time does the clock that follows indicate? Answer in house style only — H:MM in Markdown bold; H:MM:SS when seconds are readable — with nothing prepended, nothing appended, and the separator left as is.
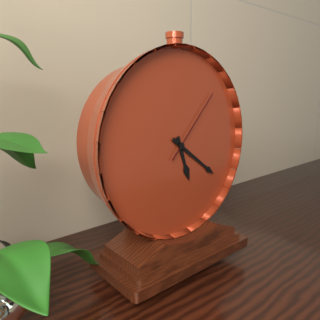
**5:21:07**
